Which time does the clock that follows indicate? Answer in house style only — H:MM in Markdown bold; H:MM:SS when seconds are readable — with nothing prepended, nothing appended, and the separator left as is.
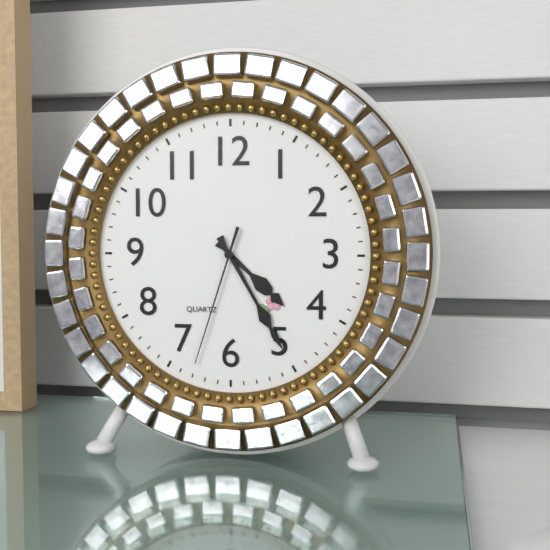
**4:25:33**
